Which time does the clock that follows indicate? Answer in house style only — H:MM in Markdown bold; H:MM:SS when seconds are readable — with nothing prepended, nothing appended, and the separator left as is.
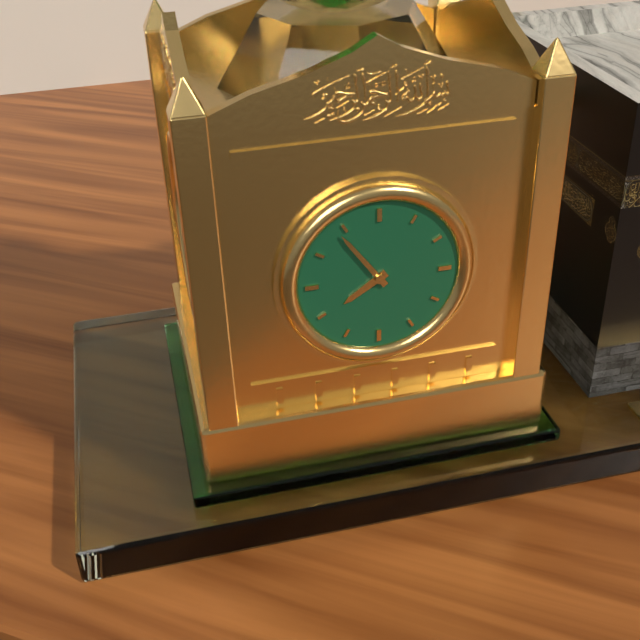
**7:54**
